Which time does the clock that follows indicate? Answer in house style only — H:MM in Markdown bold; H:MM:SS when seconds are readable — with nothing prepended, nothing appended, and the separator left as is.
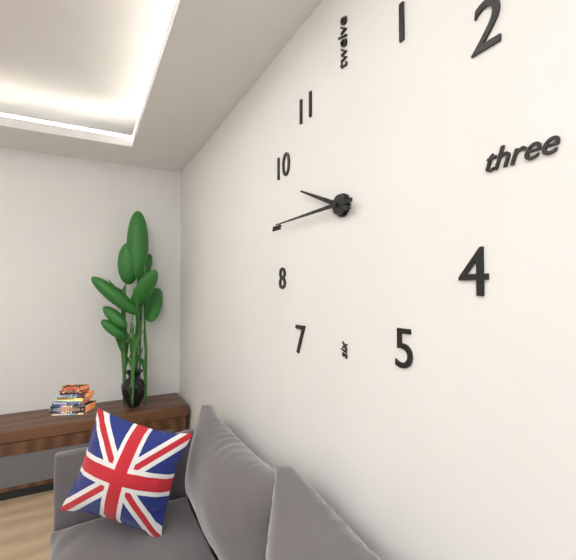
**9:45**
